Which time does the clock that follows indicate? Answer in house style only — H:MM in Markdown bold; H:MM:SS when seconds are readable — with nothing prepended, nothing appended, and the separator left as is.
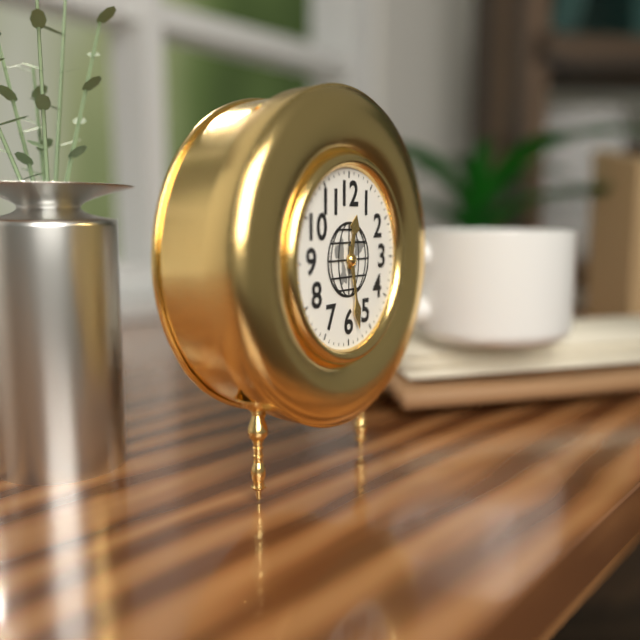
**12:28**
